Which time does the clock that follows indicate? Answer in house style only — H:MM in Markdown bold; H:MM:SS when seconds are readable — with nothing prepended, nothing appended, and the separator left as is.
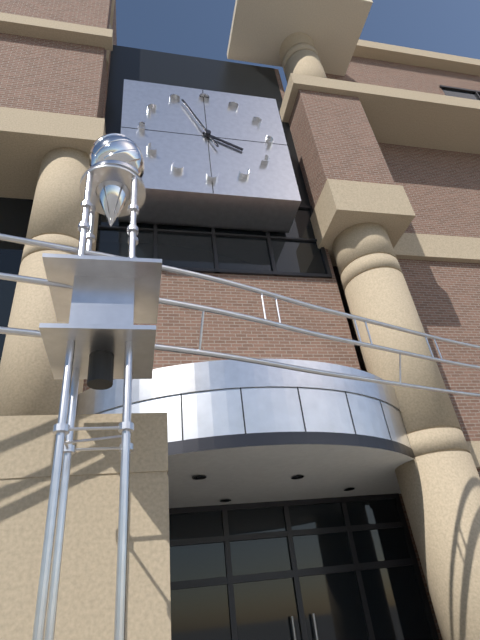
**3:56**
